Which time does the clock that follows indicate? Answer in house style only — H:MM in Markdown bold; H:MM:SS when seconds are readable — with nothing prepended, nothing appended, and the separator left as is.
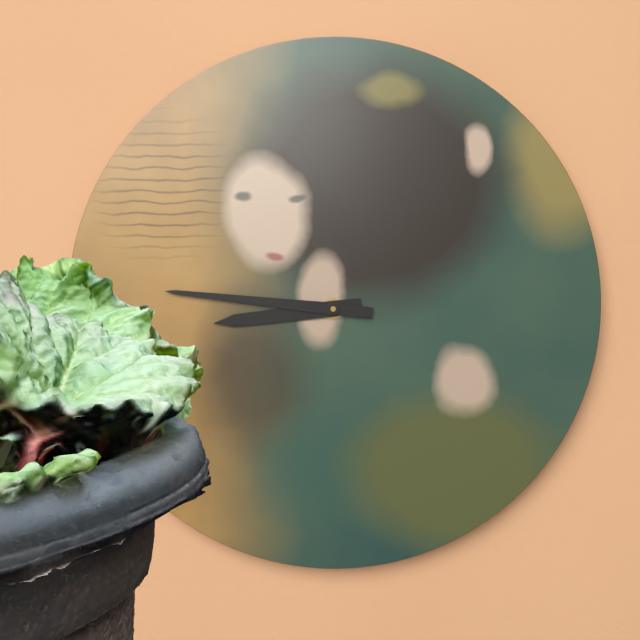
**8:46**
